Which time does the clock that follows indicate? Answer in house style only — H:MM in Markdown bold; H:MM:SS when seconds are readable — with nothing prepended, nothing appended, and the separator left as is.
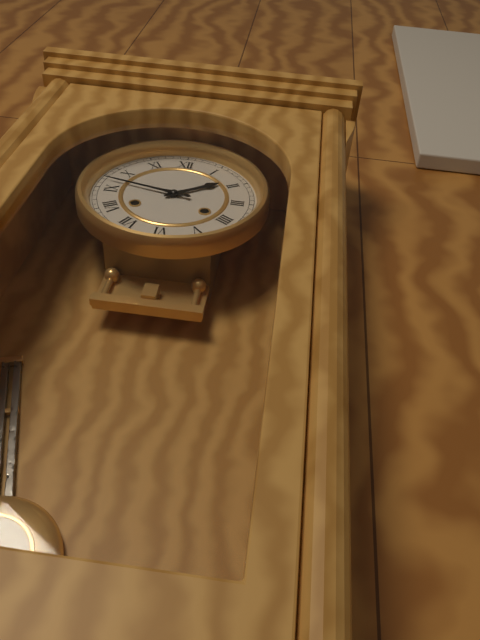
**1:47**
